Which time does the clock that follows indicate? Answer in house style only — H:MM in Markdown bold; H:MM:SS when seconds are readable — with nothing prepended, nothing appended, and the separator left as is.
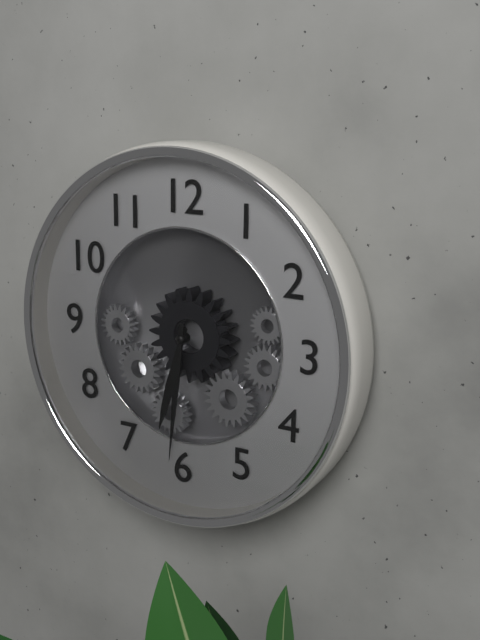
**6:31**
